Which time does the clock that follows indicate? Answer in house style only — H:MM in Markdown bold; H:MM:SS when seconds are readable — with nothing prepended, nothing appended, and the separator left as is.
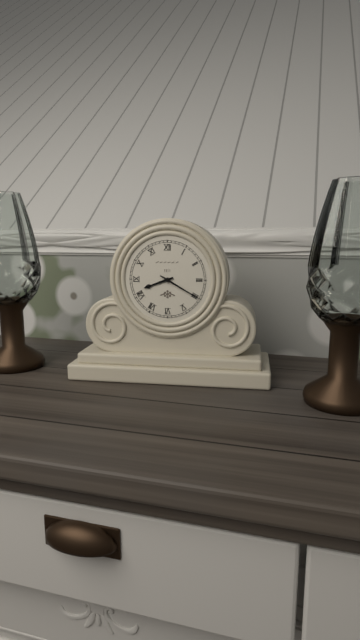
**8:20**
